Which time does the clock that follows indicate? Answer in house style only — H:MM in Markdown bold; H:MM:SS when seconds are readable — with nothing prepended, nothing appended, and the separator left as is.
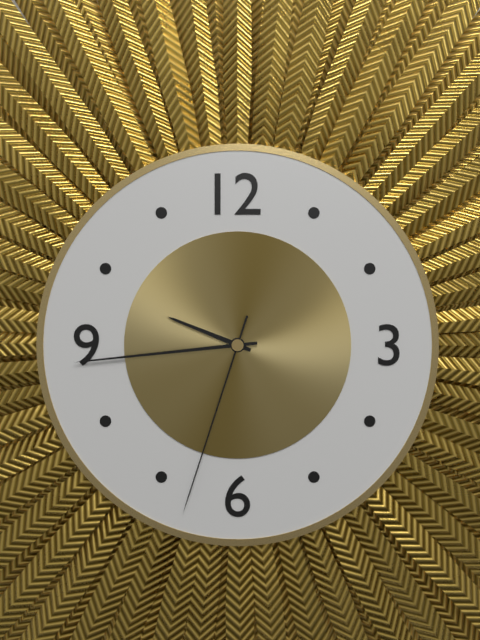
**9:44:33**
